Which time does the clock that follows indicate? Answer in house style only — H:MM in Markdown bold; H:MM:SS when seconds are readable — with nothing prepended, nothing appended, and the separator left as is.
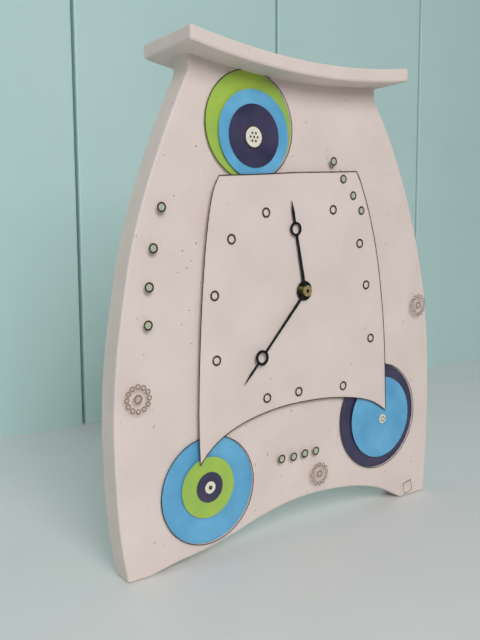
**11:37**
